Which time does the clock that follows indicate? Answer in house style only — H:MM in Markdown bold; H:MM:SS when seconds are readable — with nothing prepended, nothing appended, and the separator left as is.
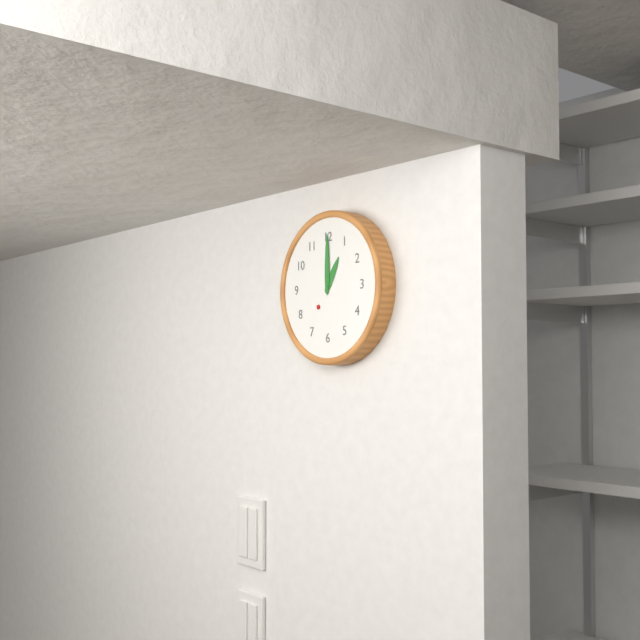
**1:00**
